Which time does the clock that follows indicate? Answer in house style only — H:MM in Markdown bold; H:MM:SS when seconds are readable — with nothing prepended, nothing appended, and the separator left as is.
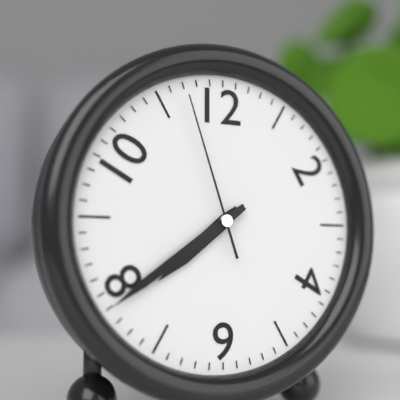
**7:39:57**
